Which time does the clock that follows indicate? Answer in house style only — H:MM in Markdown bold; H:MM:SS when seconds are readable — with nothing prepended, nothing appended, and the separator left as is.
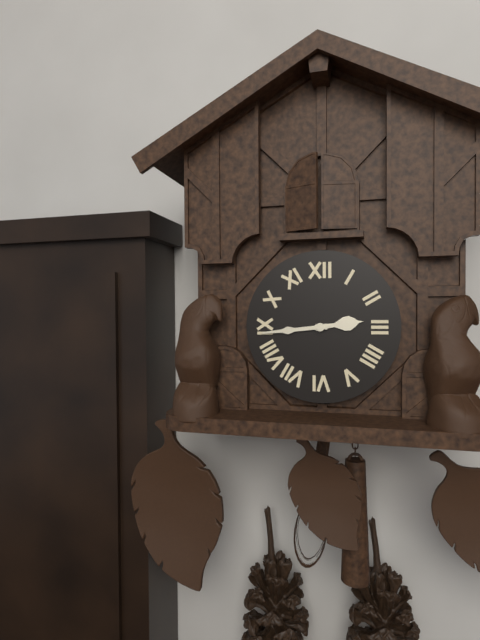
**2:44**
